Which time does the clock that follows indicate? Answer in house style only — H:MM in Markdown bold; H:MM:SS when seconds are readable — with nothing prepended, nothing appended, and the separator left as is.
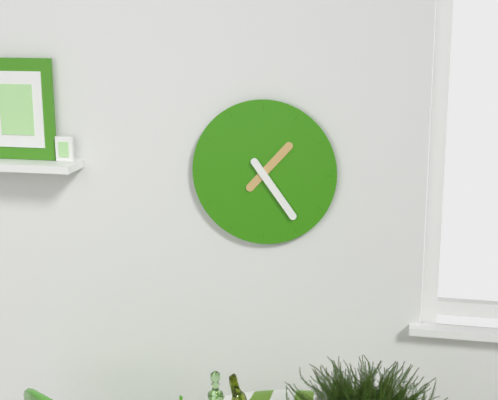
**1:24**
